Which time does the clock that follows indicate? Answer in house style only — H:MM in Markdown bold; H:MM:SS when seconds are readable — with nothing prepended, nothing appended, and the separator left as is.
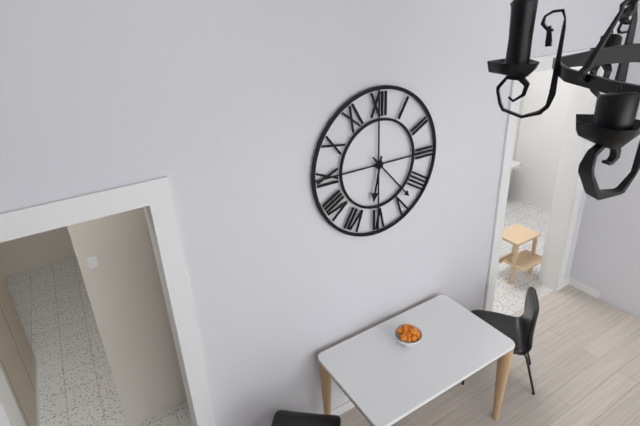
**6:23**
